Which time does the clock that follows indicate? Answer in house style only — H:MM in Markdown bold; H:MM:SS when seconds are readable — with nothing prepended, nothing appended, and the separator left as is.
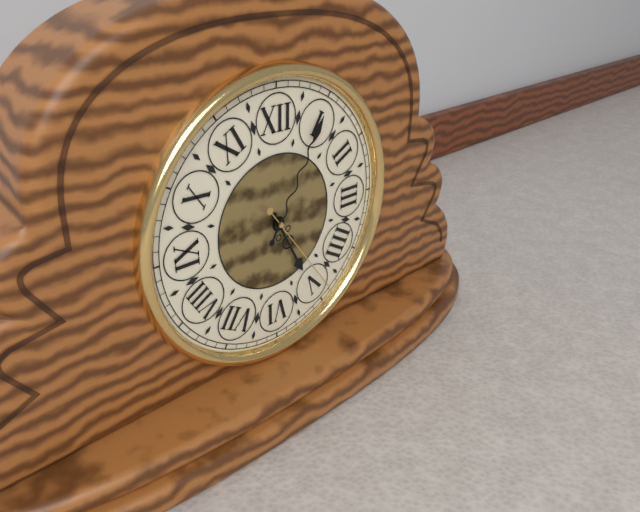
**5:05:24**
